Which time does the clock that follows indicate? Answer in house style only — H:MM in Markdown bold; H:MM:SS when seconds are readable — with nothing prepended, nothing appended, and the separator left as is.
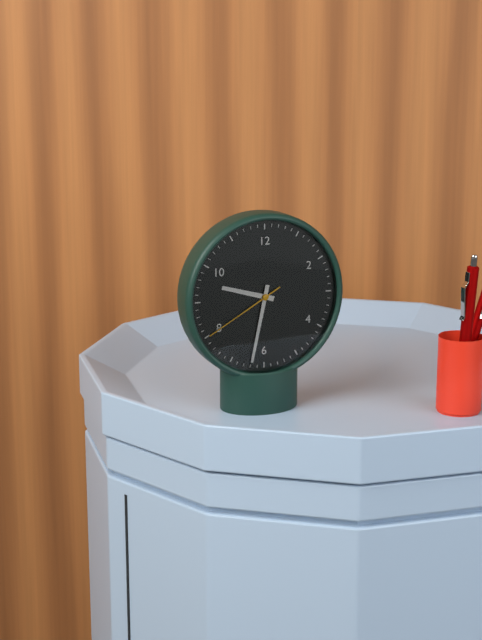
**9:32:40**
